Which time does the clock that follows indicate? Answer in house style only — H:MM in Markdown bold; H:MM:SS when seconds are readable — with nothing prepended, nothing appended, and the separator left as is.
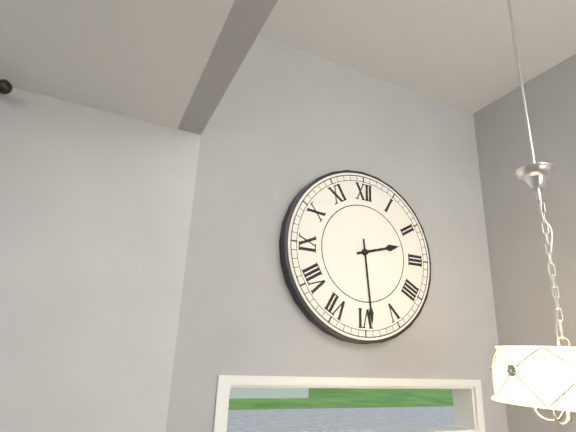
**2:29**
